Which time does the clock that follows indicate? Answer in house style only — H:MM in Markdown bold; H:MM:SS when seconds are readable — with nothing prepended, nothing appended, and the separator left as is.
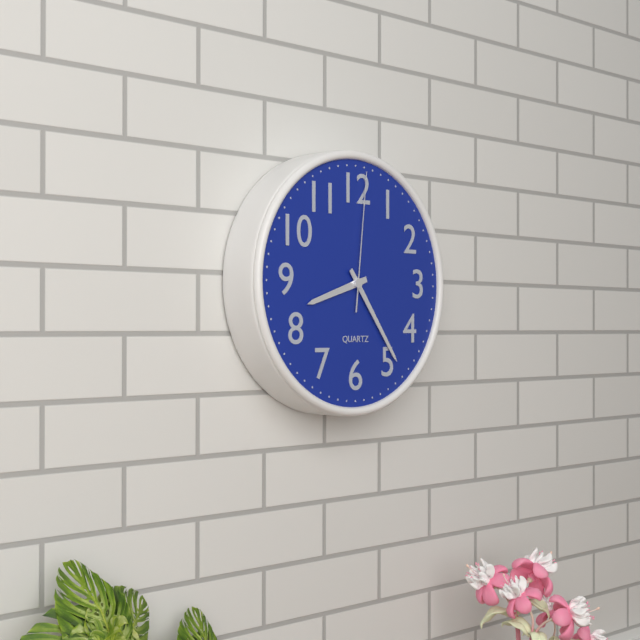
**8:24:01**
